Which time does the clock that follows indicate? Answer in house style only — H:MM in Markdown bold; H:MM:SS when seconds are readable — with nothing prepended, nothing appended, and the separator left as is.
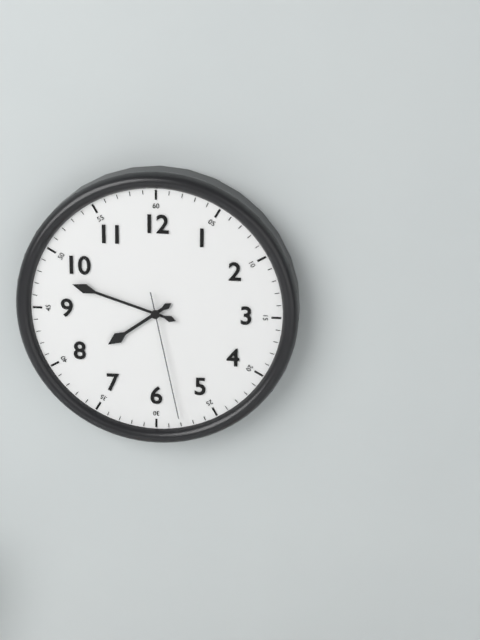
**7:48:28**
